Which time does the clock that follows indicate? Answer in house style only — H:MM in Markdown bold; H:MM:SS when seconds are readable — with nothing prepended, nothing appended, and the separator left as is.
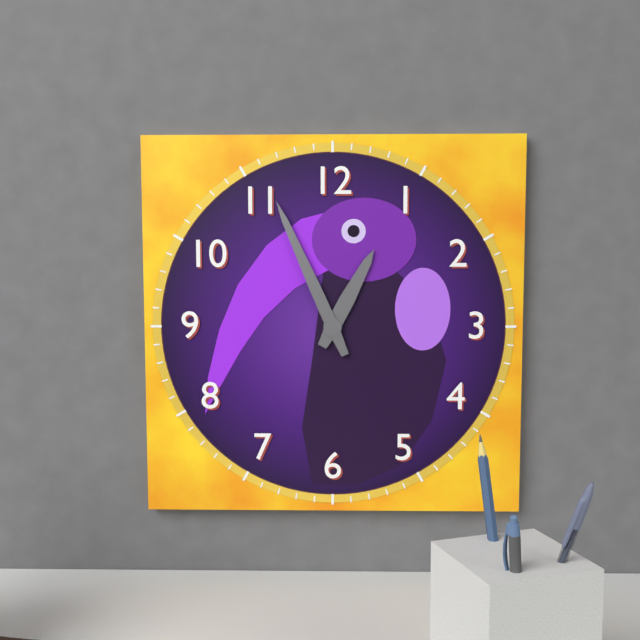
**12:56**
